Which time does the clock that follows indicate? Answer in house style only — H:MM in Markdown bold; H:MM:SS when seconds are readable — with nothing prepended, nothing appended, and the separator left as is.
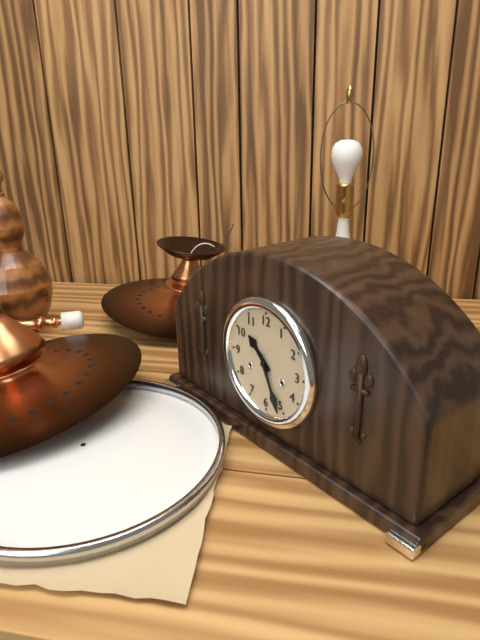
**10:26**
